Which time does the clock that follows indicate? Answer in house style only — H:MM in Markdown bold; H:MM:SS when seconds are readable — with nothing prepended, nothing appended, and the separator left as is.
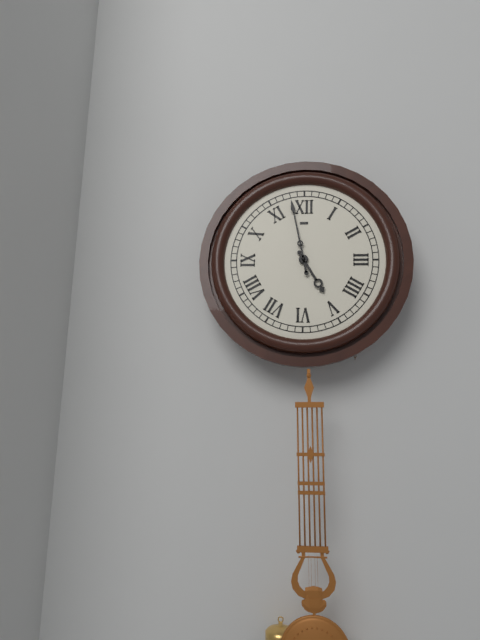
**4:58**
